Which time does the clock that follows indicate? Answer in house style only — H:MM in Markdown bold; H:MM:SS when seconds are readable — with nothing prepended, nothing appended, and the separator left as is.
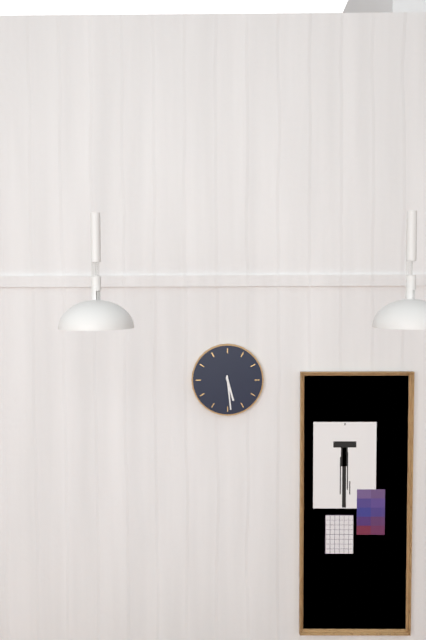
**5:29**
